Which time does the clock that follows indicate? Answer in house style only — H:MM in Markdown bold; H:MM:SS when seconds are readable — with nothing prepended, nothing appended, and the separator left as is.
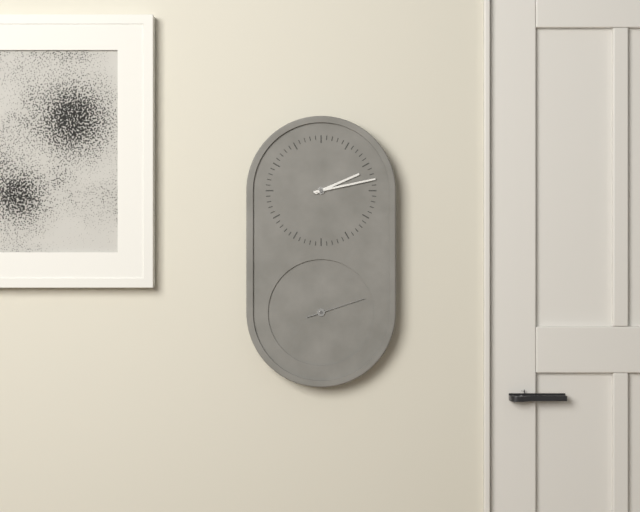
**2:13:12**
